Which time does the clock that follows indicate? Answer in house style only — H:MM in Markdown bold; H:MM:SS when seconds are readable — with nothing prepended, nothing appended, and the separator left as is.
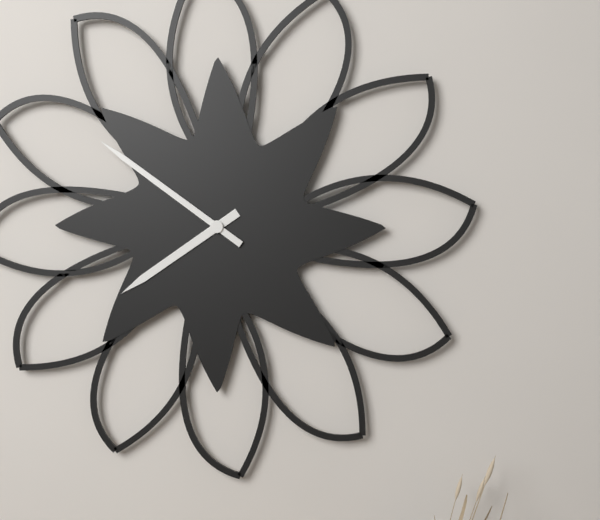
**7:51**
